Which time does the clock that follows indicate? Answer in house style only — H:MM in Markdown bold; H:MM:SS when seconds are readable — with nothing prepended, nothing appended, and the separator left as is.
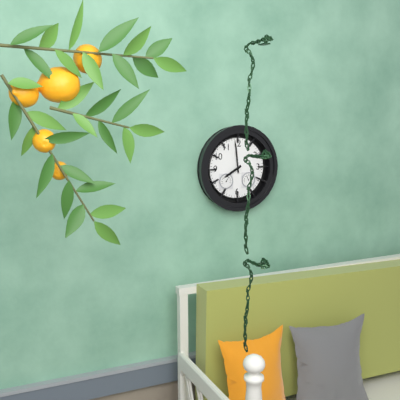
**7:59**
